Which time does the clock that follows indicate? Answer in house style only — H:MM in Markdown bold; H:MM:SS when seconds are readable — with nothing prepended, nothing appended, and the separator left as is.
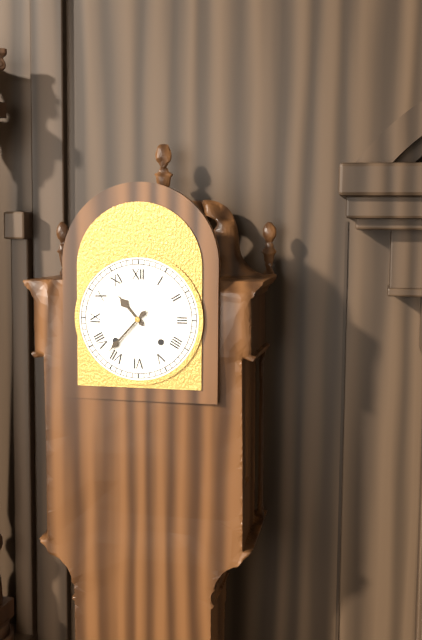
**10:37**
